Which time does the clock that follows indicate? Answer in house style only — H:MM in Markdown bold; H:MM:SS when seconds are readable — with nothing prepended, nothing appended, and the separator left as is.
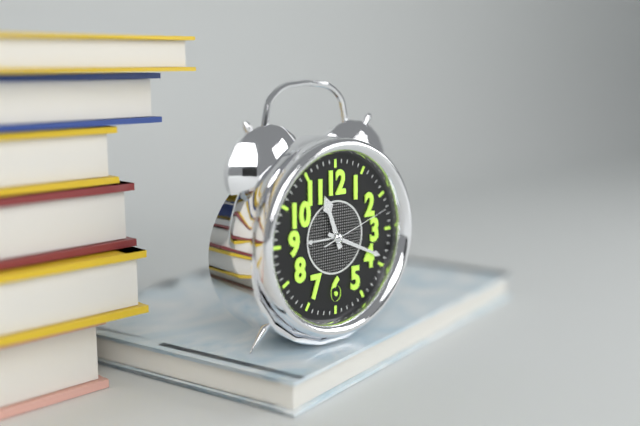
**11:19:12**
